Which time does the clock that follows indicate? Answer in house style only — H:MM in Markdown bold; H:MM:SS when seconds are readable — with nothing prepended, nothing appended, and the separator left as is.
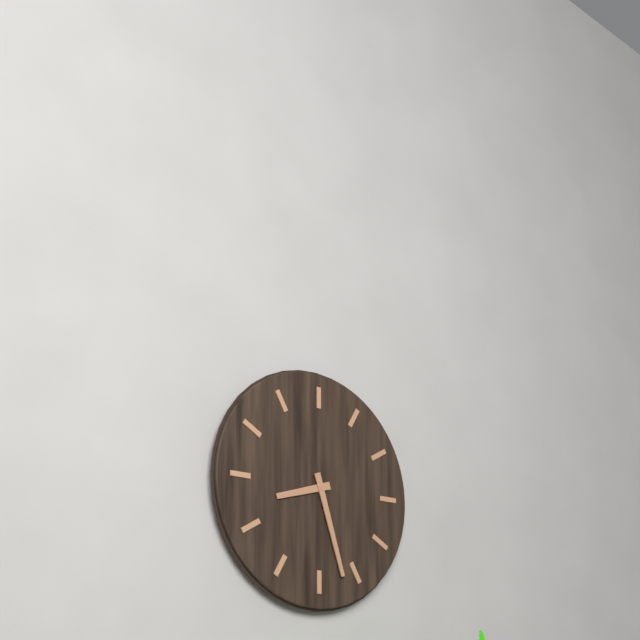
**8:27**
